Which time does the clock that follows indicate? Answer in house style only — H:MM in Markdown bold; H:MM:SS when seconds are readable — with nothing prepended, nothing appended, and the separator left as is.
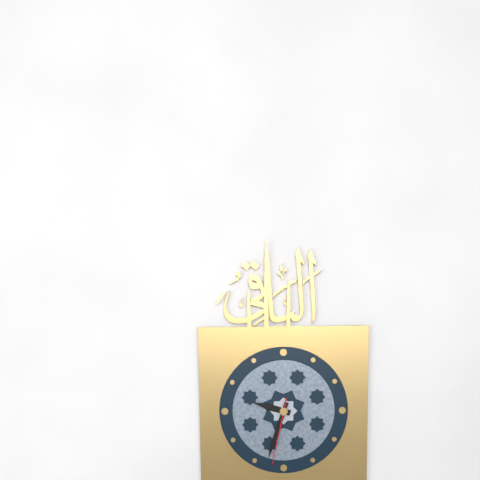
**9:33:32**
